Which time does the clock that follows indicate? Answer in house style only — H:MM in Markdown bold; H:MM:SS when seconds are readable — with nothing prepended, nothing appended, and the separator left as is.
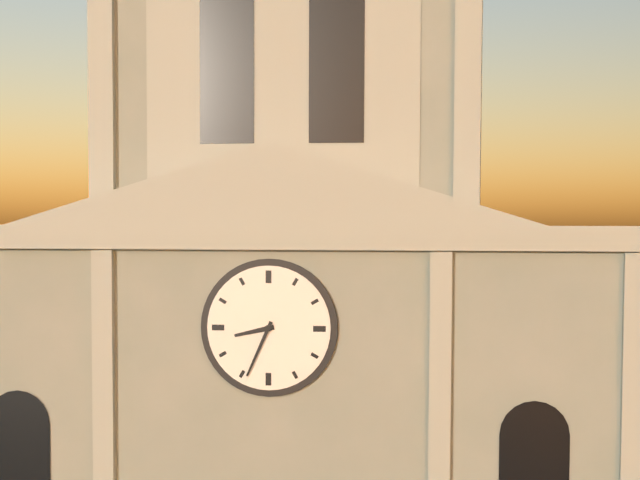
**8:34**
